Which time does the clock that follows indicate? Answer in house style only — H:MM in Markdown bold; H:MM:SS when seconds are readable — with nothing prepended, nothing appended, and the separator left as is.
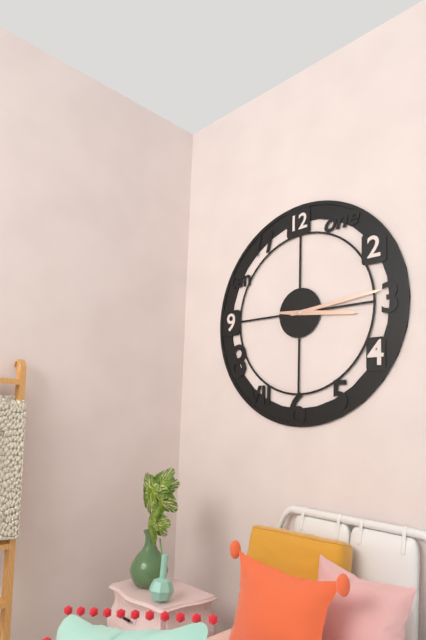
**3:14**
